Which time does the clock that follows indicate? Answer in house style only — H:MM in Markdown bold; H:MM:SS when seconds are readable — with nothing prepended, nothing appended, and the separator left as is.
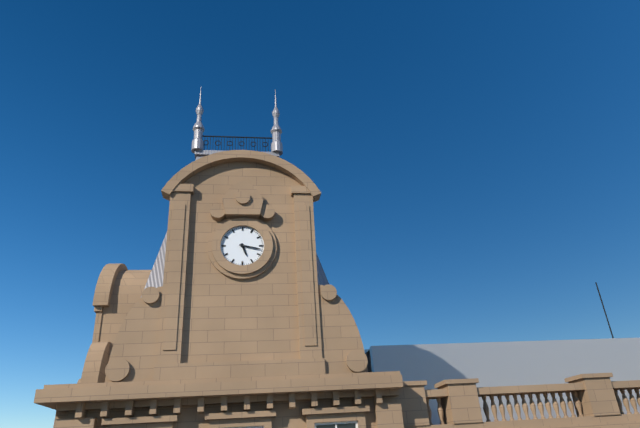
**5:17**
